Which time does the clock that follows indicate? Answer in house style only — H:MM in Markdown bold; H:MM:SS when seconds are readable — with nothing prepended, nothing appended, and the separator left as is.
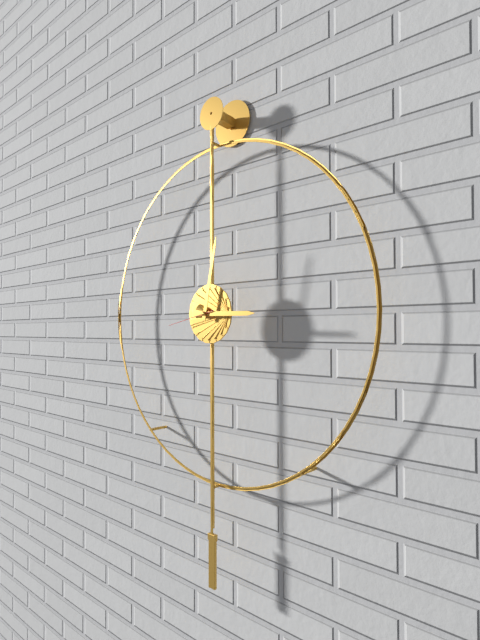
**3:02**
